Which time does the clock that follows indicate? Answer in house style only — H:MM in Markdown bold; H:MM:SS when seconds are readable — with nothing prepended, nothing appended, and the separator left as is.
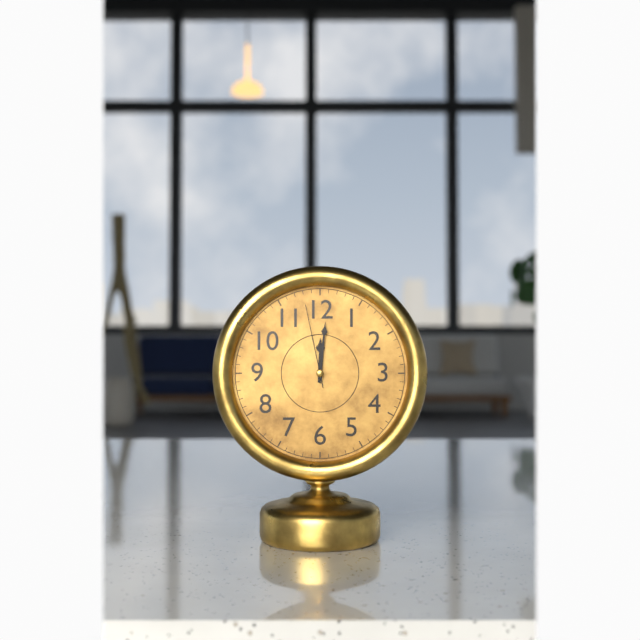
**12:01:58**
